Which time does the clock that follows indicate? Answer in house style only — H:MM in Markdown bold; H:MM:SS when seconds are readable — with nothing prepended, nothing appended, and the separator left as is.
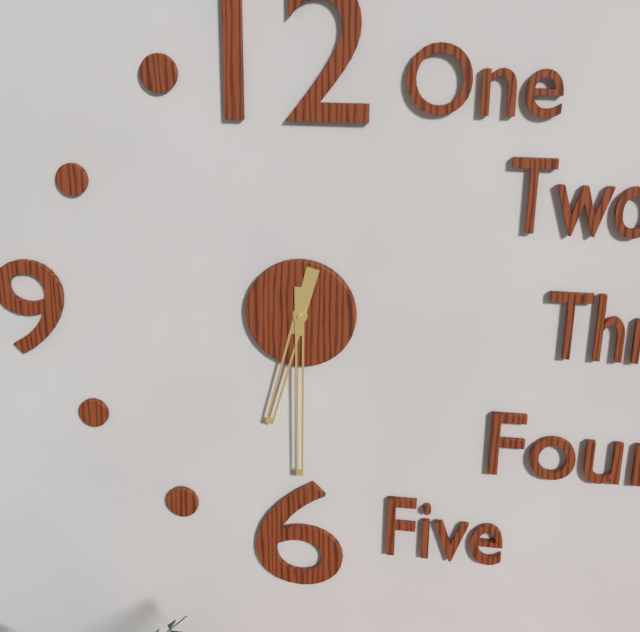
**6:30**
